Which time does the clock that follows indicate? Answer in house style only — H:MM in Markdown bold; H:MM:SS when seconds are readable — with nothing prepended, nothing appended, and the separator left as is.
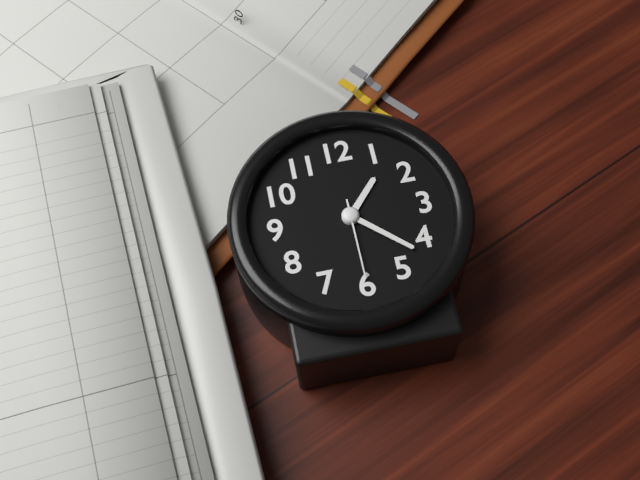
**1:22:30**
